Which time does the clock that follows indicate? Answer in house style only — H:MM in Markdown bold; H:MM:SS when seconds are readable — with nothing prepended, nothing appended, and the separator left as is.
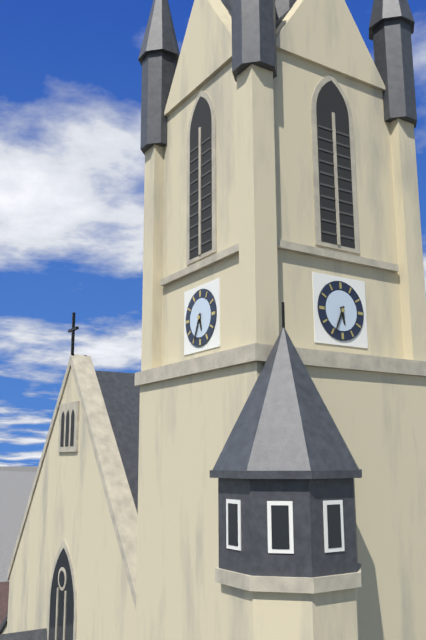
**5:34**
